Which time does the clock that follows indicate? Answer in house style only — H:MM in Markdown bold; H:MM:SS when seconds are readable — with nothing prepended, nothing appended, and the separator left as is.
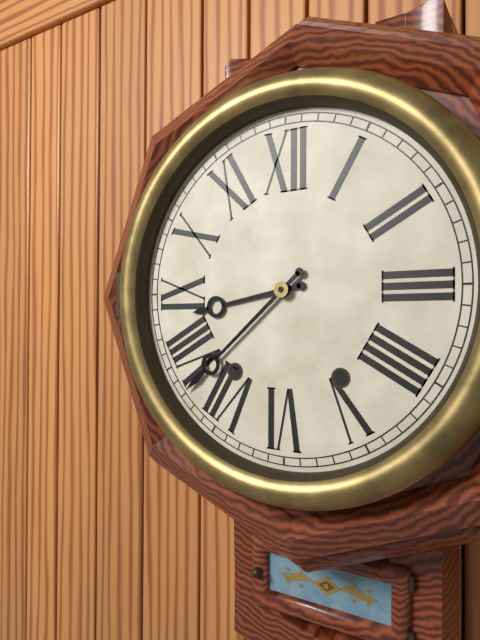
**8:38**
